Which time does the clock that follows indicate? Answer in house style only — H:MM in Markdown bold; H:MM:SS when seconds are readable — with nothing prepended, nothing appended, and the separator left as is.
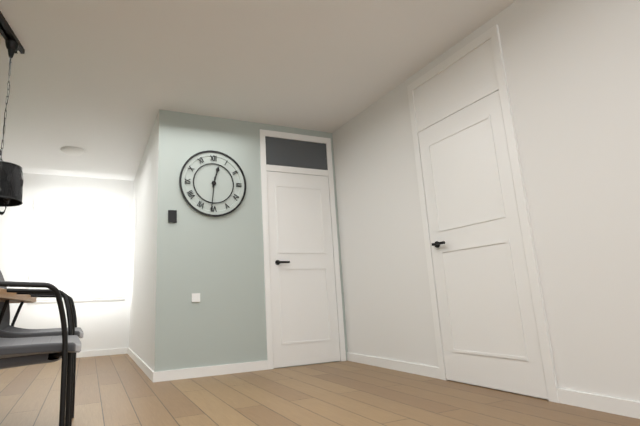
**12:31**
